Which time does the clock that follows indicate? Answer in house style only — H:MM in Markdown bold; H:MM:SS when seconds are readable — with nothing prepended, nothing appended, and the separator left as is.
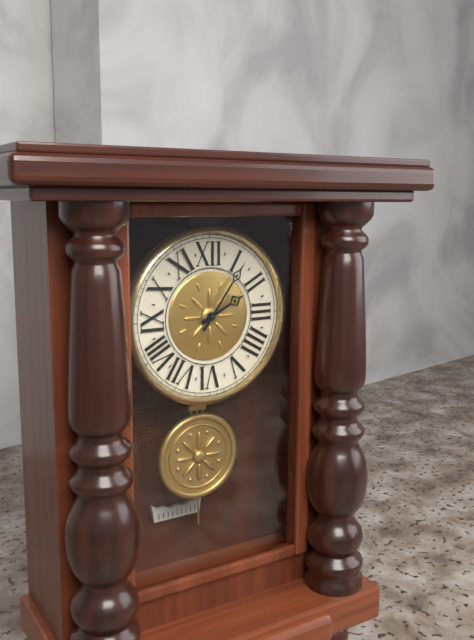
**2:06**
